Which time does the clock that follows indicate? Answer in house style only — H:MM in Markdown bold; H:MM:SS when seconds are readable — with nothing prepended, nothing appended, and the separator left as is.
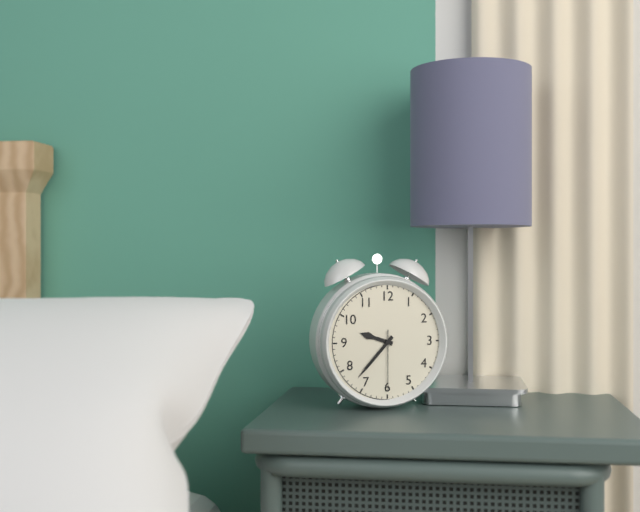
**9:37:30**
